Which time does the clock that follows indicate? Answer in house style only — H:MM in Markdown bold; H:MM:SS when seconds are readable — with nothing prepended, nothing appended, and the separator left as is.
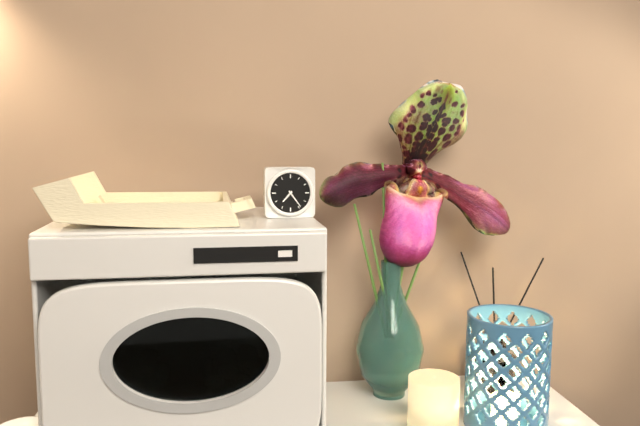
**7:24**
